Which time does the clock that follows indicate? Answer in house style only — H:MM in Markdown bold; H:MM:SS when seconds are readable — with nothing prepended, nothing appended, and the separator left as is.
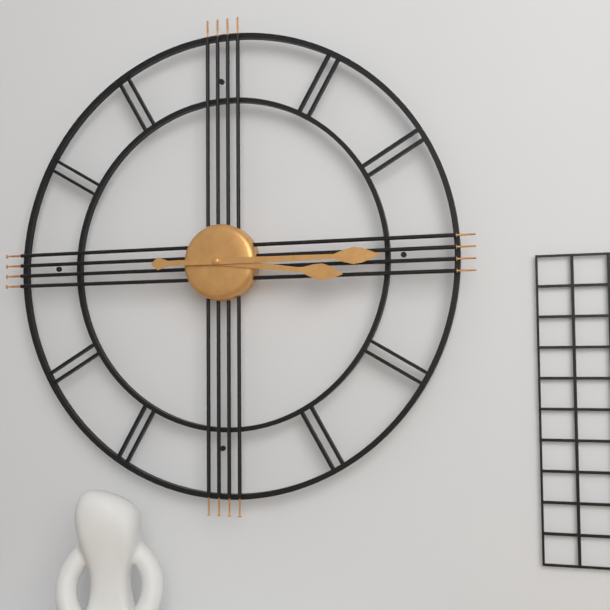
**3:15**
